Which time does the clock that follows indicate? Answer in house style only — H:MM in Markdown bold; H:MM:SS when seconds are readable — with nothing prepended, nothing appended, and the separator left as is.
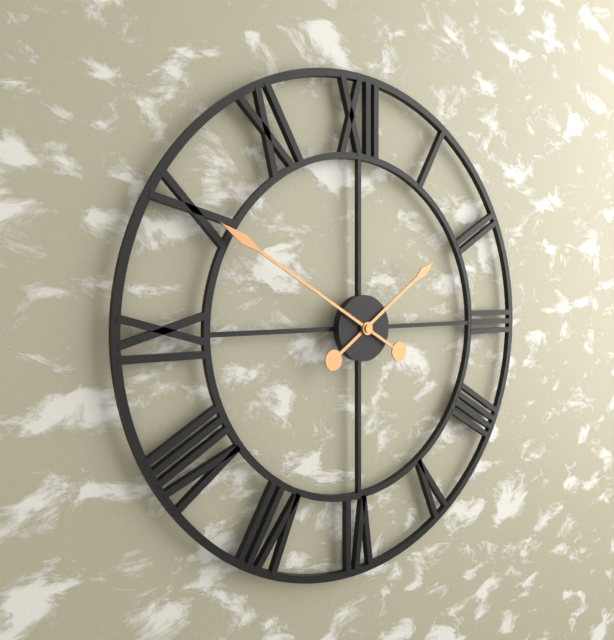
**1:50**
